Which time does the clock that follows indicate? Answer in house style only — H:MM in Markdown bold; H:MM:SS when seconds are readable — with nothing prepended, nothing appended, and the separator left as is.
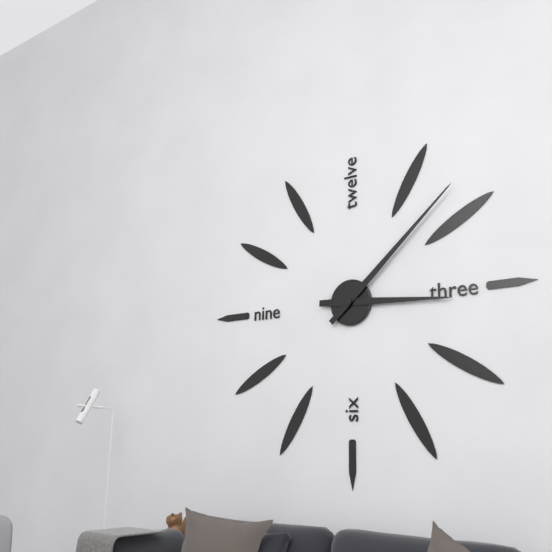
**3:08**
